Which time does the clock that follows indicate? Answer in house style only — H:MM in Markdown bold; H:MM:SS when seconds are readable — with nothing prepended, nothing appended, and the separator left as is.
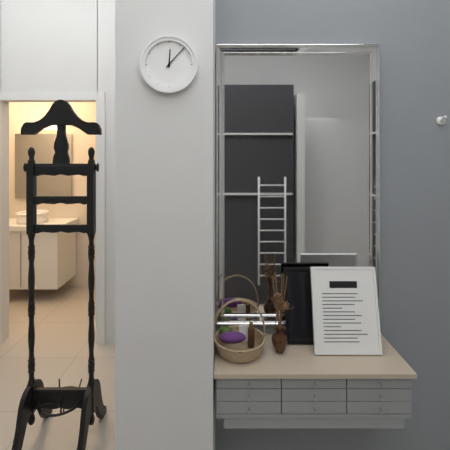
**12:07**
